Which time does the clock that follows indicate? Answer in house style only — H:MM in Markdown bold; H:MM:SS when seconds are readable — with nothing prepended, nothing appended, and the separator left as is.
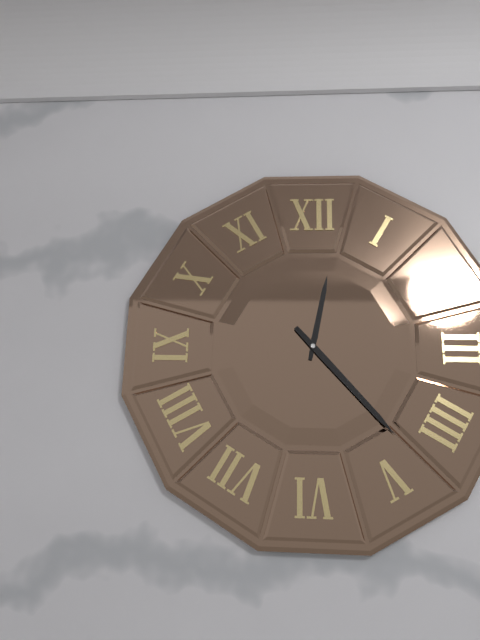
**12:23**
